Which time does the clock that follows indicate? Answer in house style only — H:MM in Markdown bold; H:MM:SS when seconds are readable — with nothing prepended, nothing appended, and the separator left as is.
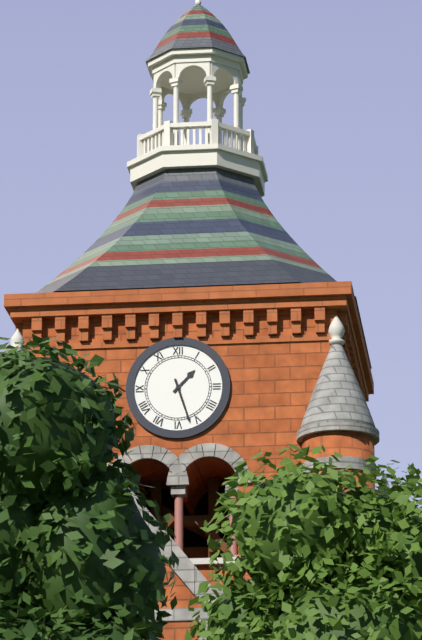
**1:27**
